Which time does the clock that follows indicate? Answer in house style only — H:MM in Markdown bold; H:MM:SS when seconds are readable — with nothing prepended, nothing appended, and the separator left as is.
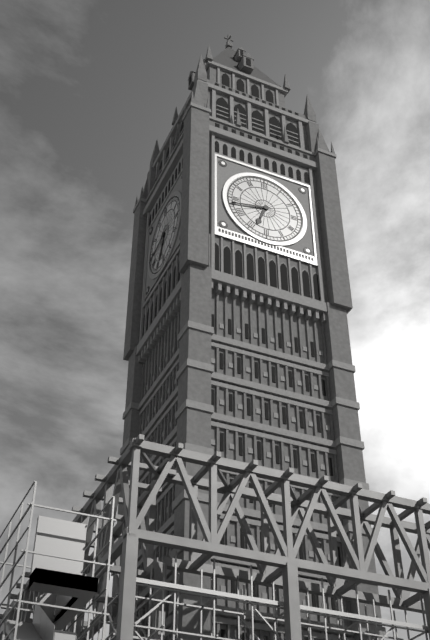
**6:43**
